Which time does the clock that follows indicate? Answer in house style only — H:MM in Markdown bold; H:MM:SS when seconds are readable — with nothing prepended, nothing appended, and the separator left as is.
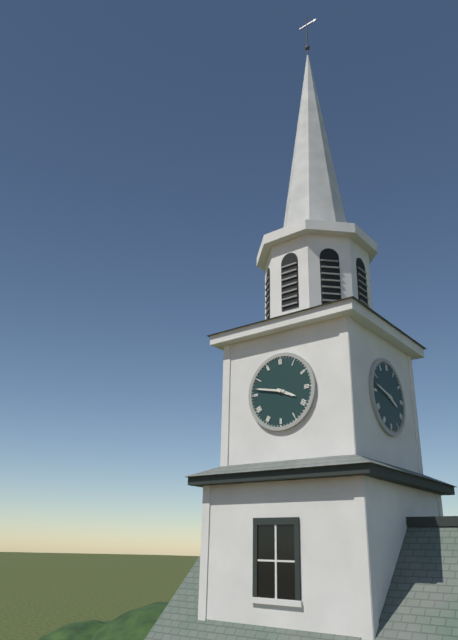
**3:47**
